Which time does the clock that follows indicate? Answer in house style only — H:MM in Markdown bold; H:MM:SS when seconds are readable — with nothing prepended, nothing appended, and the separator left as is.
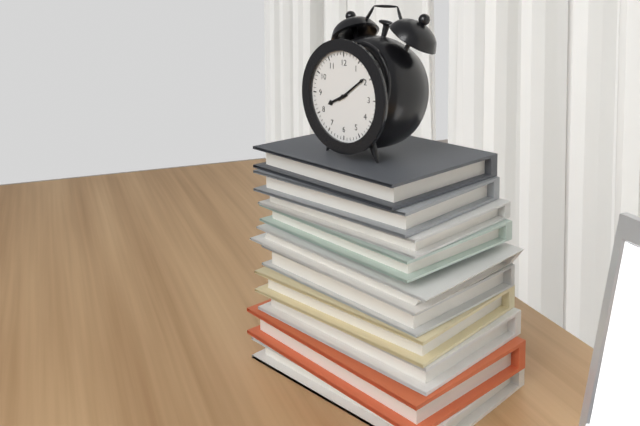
**8:09**
